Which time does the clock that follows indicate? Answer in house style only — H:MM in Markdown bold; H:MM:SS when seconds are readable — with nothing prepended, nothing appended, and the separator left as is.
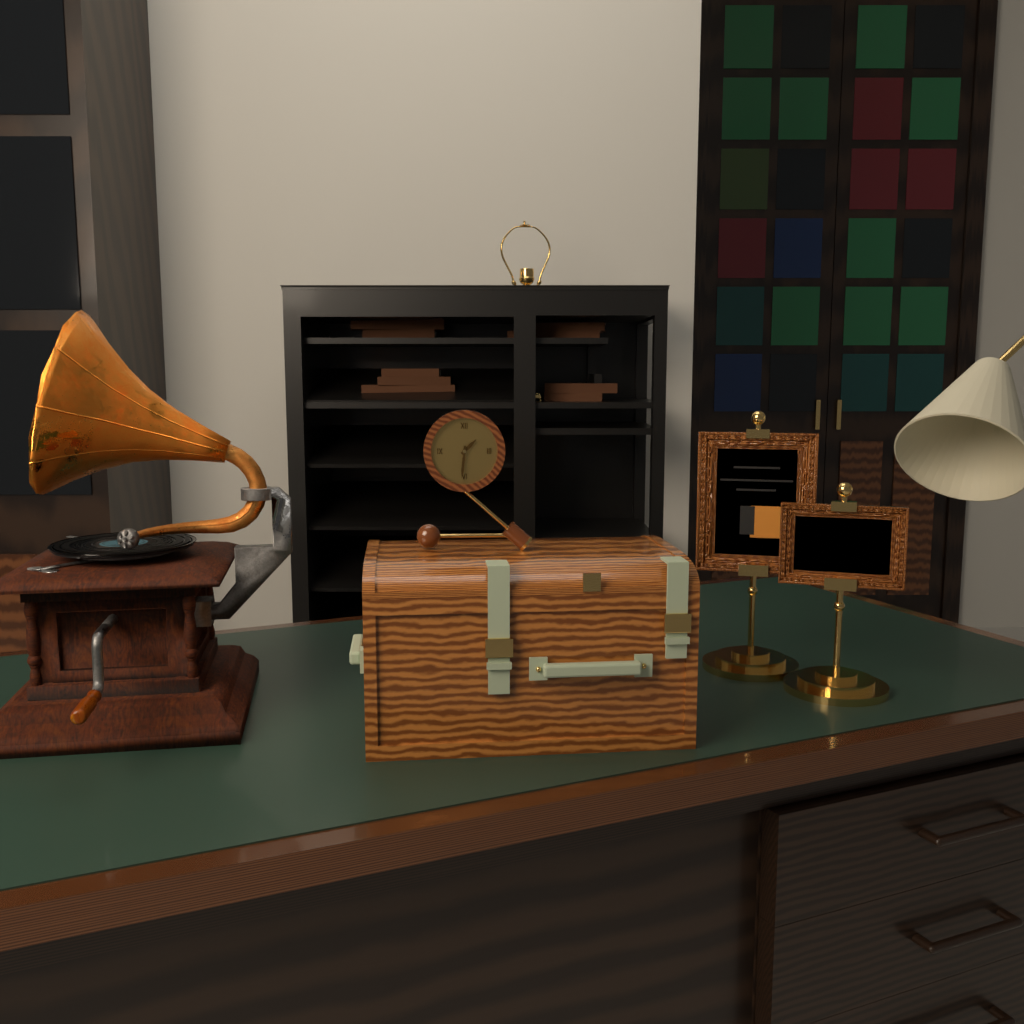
**1:31**
